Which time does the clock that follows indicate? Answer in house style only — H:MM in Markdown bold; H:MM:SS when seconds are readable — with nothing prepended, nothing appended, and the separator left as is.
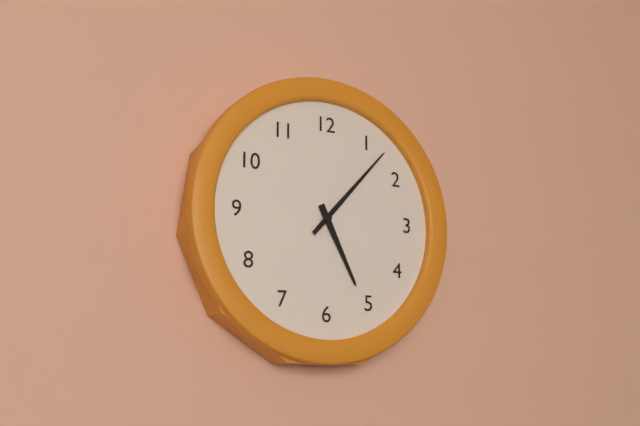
**5:07**
